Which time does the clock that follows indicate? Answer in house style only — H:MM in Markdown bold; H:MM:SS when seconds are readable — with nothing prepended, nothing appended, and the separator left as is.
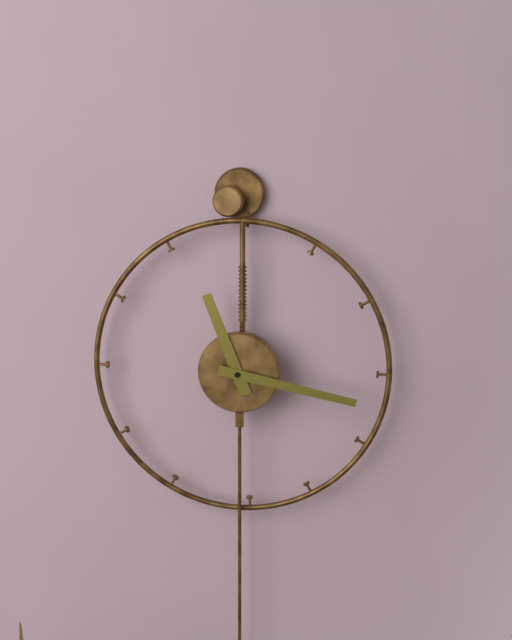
**11:17**
